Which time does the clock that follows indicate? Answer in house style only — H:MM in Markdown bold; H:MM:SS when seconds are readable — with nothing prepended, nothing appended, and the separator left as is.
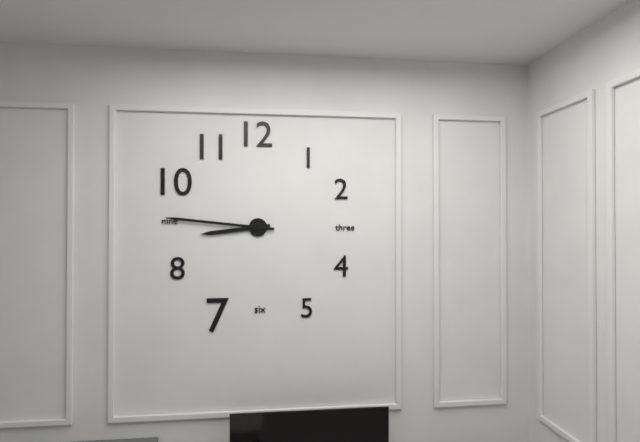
**8:46**
